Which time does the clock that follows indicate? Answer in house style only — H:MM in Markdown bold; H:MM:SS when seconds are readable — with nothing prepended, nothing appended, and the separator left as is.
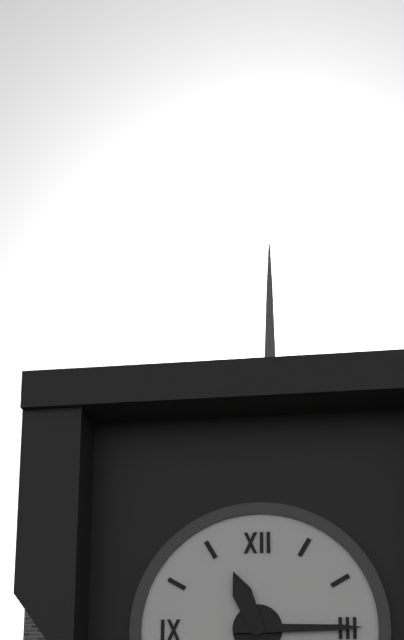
**11:15**
